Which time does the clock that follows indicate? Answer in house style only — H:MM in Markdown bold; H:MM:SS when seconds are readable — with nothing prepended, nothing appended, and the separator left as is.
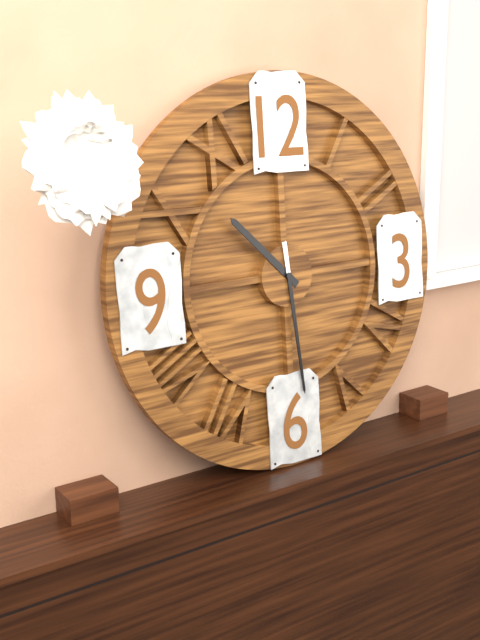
**10:29**
